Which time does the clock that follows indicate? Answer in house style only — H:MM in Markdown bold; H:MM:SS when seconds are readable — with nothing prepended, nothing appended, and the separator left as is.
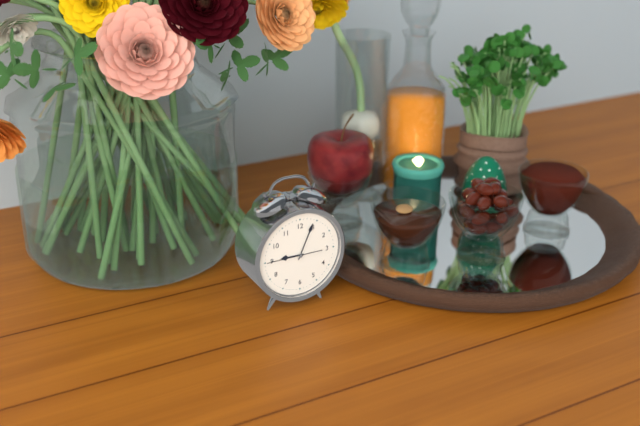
**9:04**
